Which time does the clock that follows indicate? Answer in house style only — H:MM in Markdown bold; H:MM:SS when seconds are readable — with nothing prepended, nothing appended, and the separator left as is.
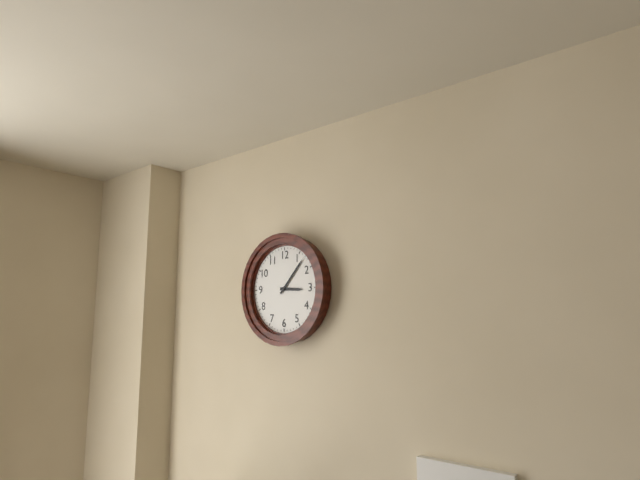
**3:07**
